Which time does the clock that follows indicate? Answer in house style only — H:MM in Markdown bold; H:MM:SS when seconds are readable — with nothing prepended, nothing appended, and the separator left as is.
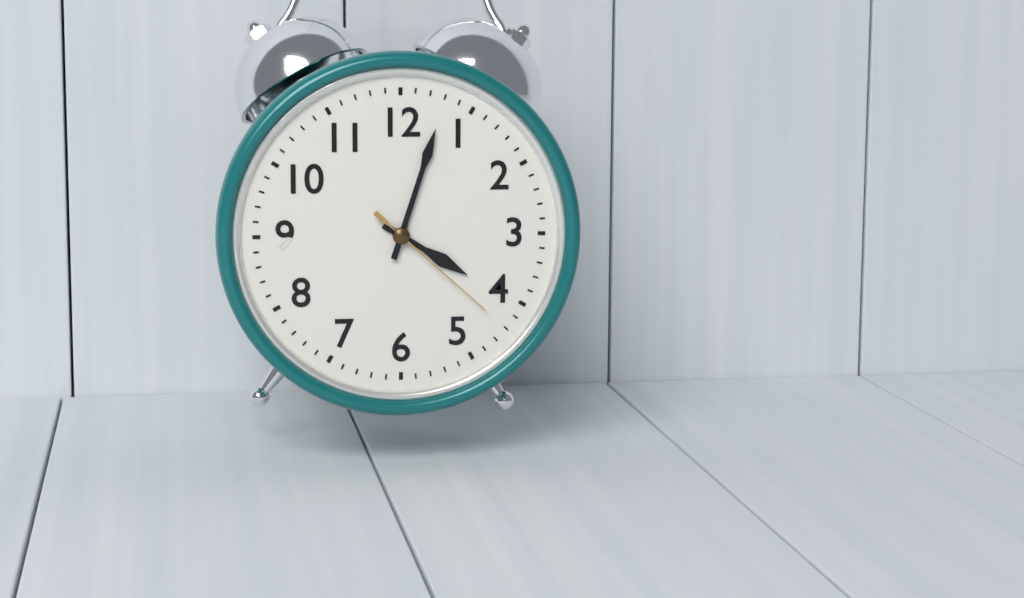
**4:03:22**
